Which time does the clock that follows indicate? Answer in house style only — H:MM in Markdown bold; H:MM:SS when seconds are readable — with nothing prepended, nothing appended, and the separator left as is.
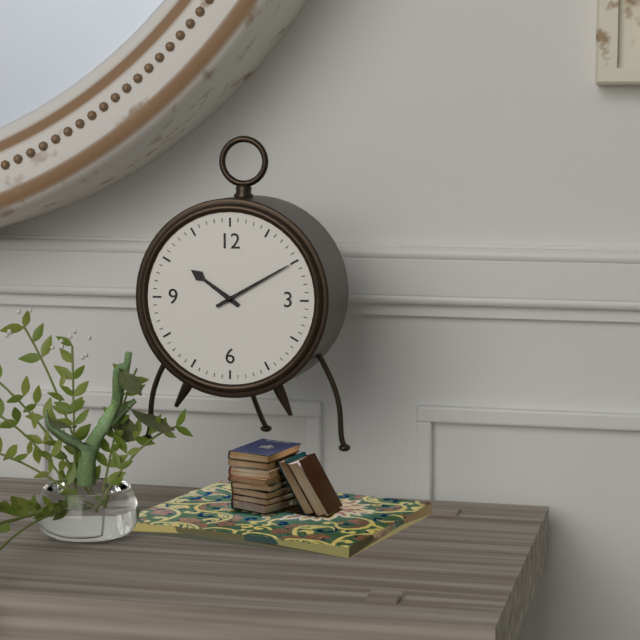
**10:10**
